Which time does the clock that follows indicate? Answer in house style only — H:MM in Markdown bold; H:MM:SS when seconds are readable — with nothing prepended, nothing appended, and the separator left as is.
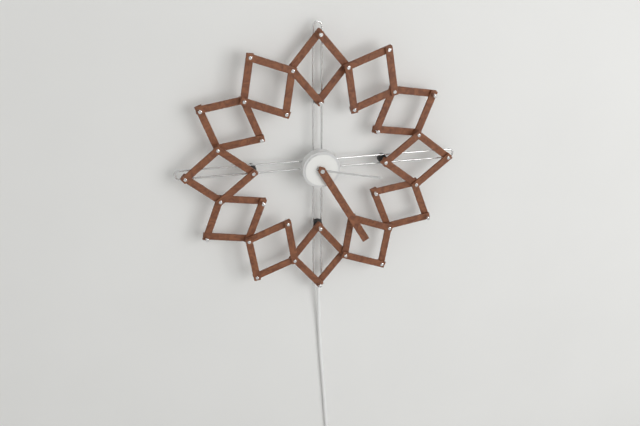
**3:25**
